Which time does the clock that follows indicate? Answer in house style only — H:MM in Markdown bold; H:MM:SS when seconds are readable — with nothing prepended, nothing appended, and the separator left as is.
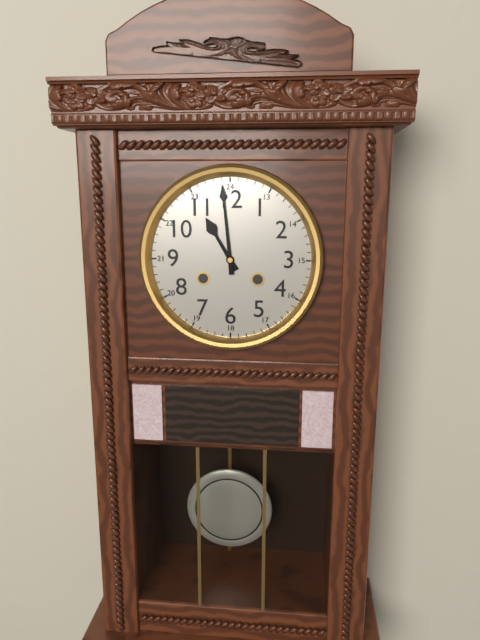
**10:59**
